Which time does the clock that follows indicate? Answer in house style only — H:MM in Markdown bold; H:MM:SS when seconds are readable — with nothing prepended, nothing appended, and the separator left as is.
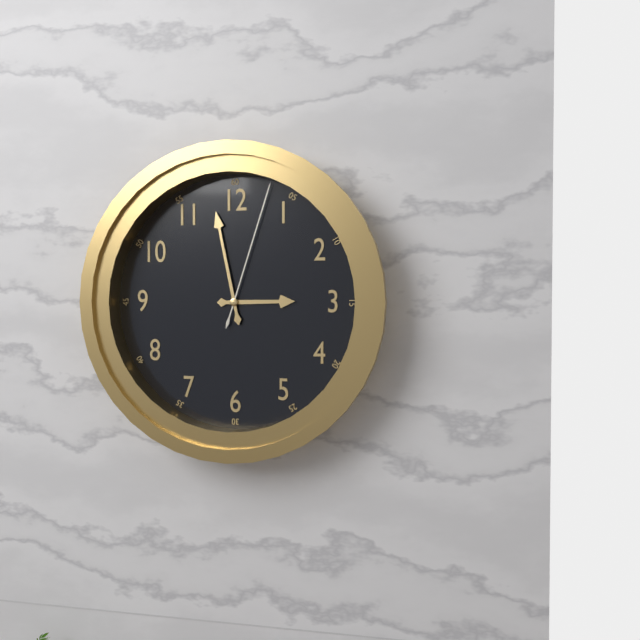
**2:58:03**
